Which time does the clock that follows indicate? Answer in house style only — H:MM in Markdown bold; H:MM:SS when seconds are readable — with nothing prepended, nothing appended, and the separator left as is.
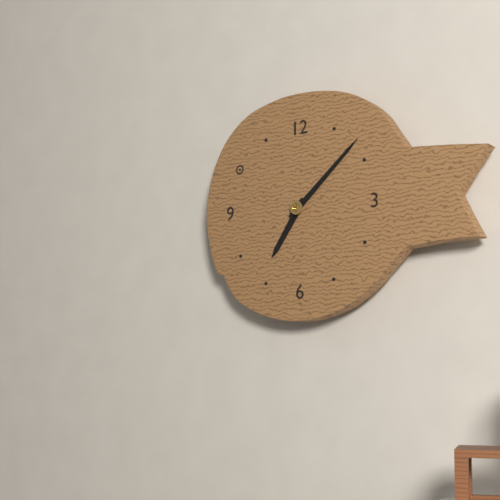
**7:08**
